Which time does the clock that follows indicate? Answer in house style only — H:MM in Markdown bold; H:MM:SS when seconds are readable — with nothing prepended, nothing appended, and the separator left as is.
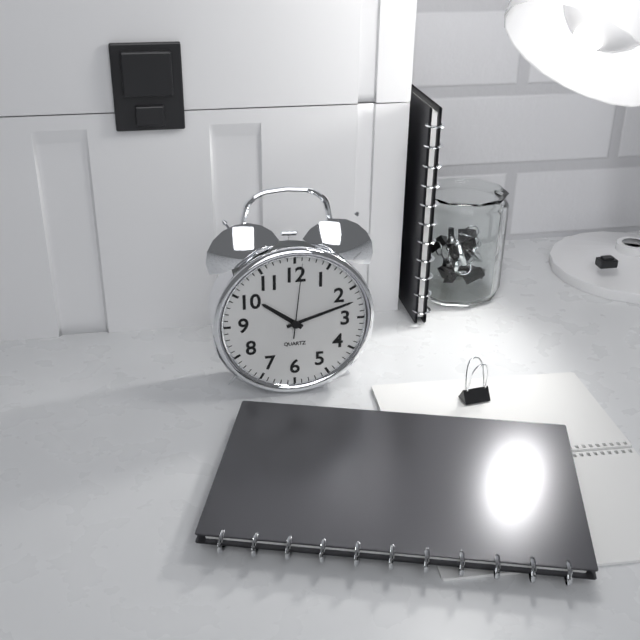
**10:12:01**
